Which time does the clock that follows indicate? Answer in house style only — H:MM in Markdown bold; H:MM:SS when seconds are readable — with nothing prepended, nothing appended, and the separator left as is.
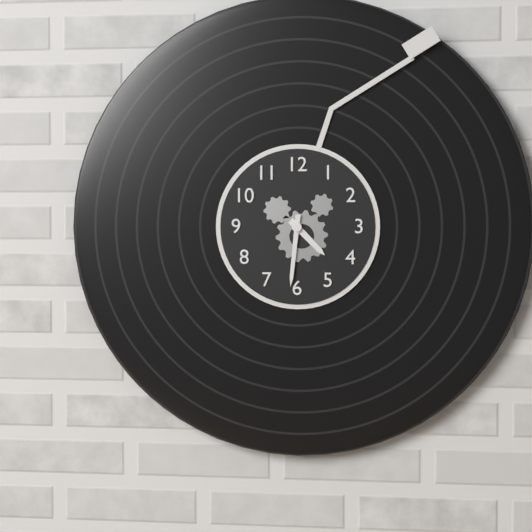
**4:31**
